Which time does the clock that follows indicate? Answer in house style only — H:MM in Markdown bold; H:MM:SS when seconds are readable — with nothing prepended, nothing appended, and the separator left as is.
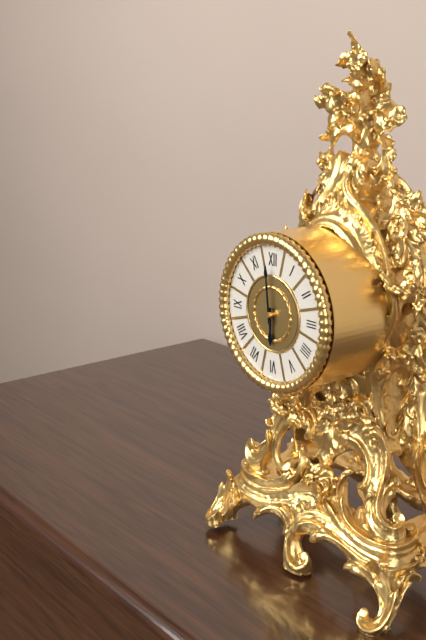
**5:59**
